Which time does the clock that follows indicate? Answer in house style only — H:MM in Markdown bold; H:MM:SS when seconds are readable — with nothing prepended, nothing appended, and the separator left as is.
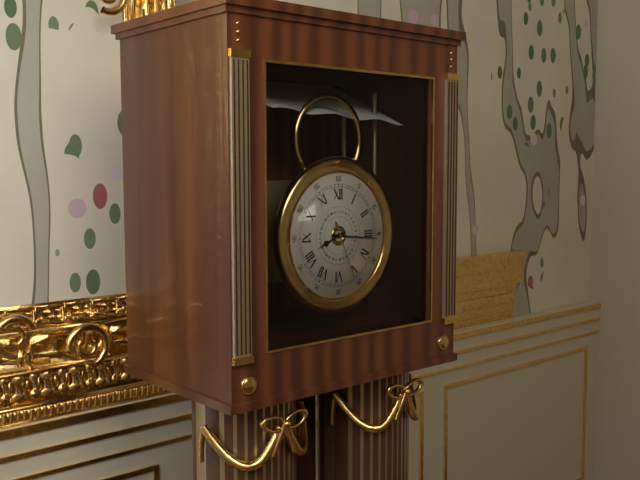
**8:16:26**
